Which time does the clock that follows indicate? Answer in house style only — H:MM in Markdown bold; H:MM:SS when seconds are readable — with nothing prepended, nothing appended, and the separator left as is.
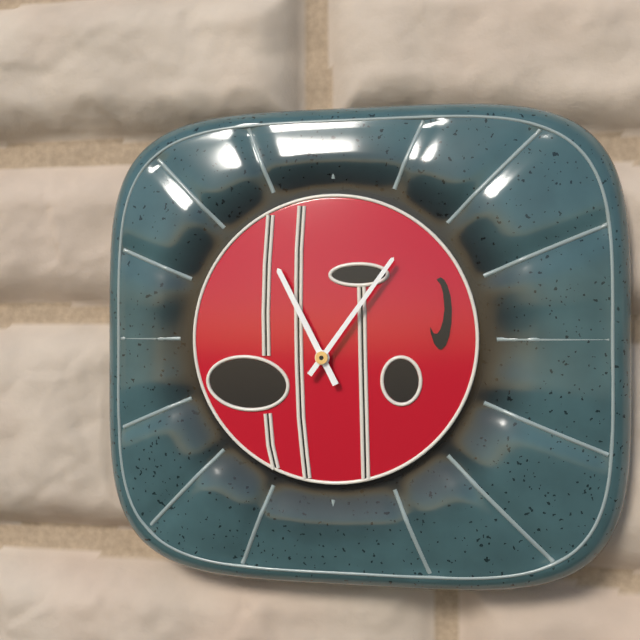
**11:06**
